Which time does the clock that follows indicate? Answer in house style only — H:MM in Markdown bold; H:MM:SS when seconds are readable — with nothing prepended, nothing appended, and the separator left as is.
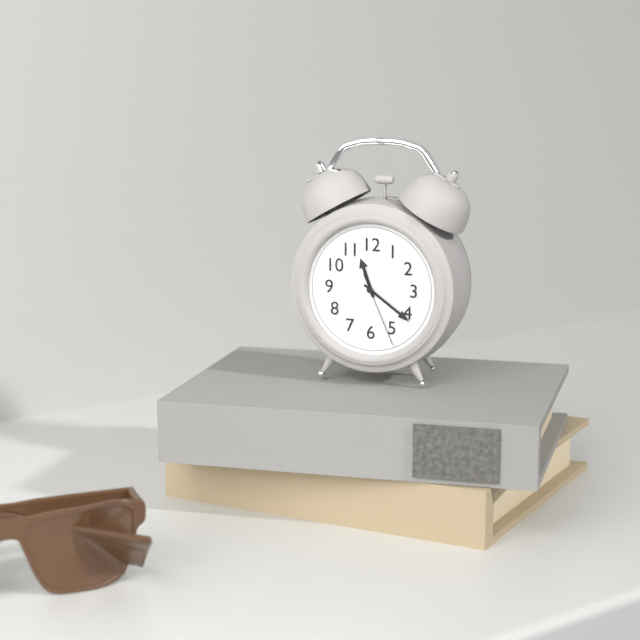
**11:21:26**
